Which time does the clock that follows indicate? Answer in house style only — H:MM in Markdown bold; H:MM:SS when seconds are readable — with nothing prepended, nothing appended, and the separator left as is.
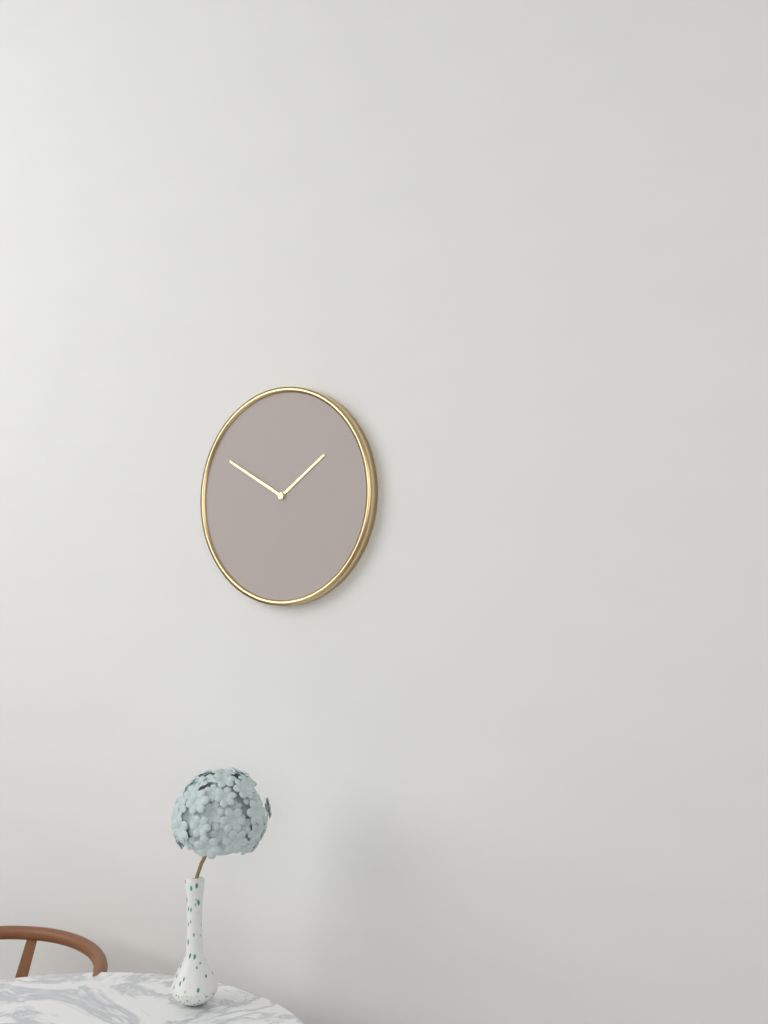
**1:50**
